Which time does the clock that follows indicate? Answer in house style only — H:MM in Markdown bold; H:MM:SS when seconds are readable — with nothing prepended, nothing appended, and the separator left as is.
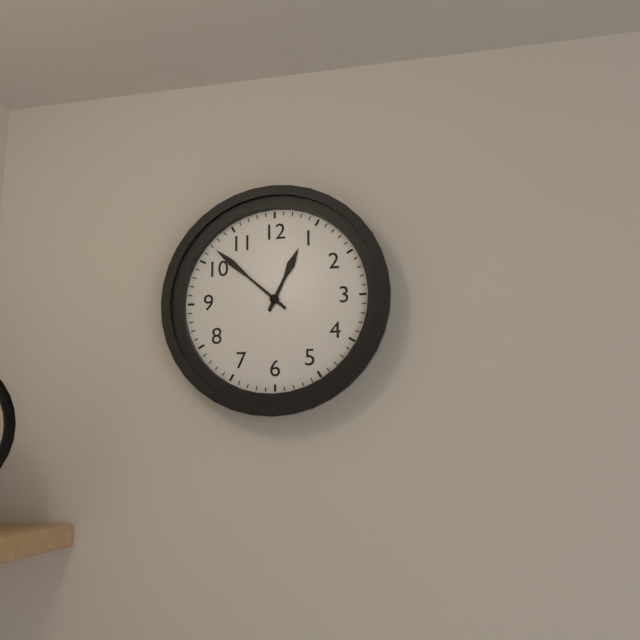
**12:52**
